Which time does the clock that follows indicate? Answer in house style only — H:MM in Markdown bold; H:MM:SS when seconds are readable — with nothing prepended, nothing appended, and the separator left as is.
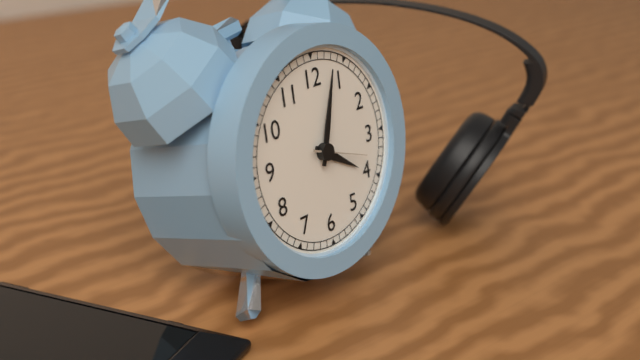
**4:03**
